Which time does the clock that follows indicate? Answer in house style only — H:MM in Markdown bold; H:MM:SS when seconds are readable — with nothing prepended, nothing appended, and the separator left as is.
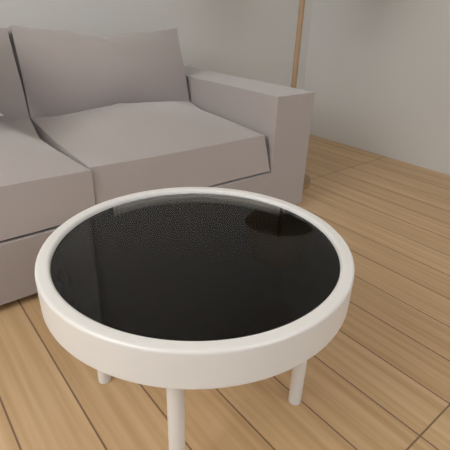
**11:33**
